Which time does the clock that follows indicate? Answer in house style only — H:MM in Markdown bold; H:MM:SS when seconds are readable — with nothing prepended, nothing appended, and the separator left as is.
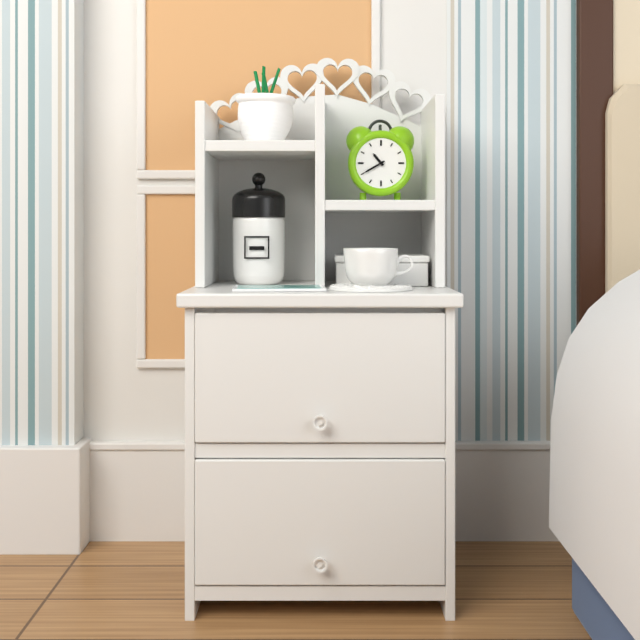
**10:40**
